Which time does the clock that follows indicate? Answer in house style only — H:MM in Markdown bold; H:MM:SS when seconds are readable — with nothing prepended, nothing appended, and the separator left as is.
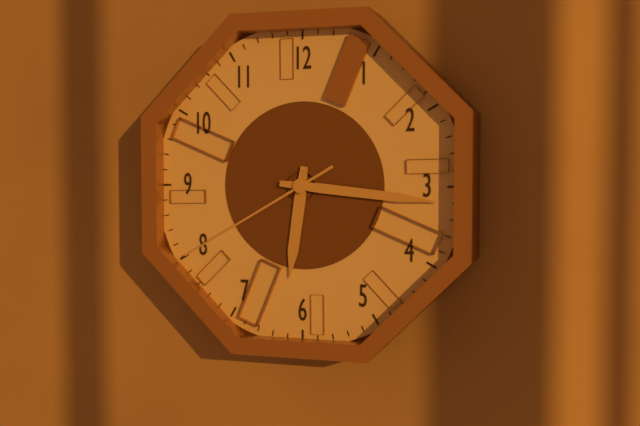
**6:16:40**
